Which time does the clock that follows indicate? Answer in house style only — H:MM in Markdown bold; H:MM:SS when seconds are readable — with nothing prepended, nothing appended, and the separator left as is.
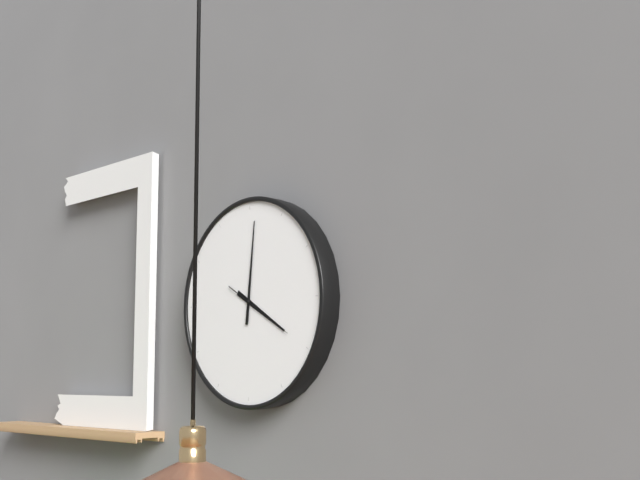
**4:01:20**
